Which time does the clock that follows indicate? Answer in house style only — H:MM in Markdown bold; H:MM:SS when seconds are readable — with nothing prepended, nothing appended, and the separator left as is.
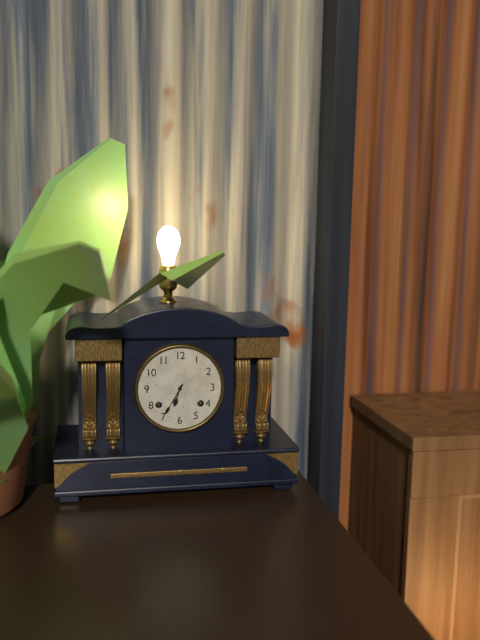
**6:35**
